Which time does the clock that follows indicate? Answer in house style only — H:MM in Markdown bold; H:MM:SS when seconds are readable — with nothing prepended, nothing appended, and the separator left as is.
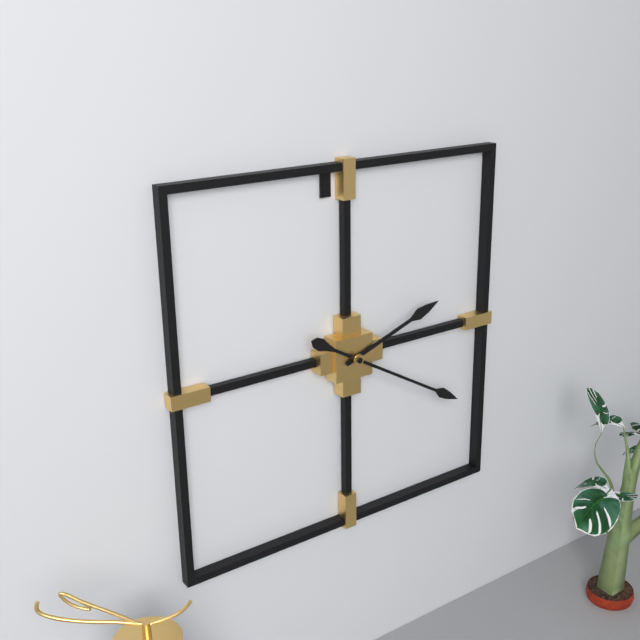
**2:20**
